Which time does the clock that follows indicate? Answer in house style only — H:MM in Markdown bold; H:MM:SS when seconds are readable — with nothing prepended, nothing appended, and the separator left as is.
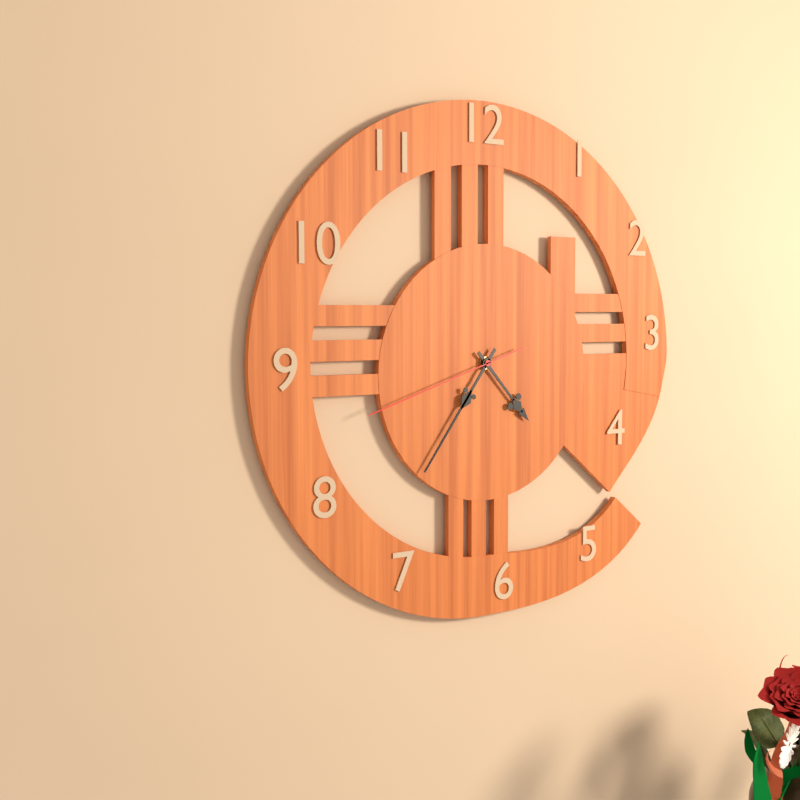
**4:36:42**
